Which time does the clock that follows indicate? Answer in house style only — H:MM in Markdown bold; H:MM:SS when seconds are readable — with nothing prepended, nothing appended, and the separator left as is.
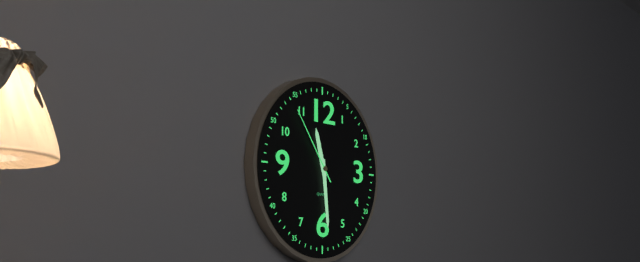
**11:29:54**
